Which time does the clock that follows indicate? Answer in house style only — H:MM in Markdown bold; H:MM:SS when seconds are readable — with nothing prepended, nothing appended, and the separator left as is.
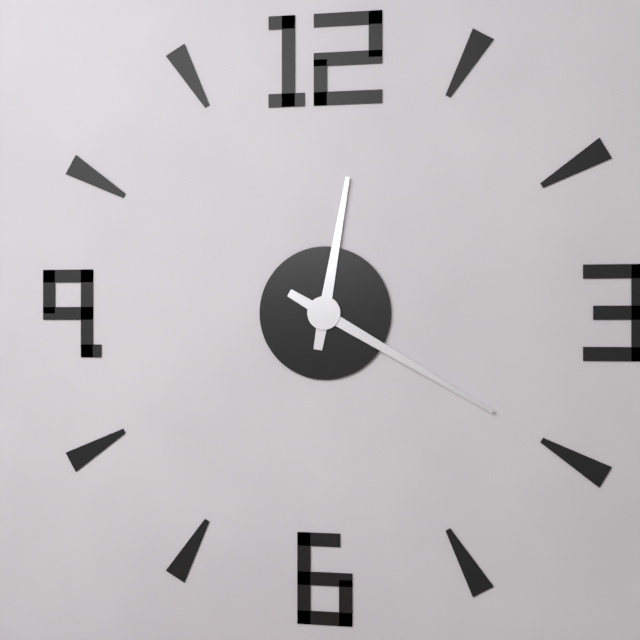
**12:20**
